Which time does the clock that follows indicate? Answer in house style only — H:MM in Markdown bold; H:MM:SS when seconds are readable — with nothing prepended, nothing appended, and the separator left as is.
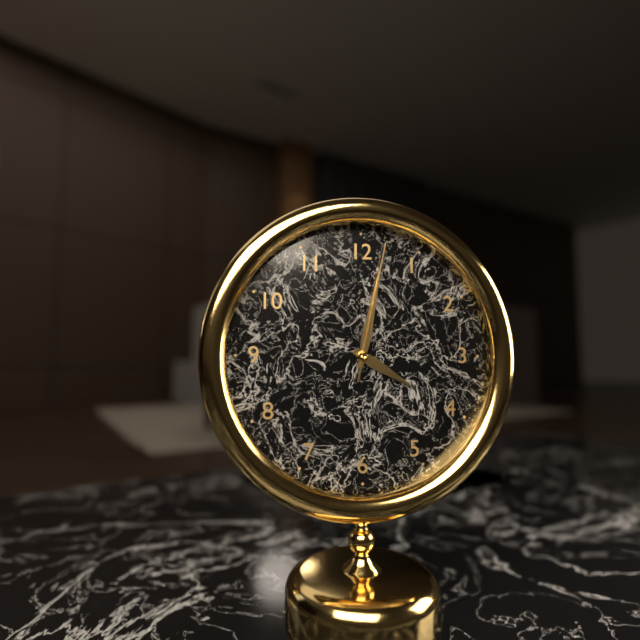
**4:02:02**
